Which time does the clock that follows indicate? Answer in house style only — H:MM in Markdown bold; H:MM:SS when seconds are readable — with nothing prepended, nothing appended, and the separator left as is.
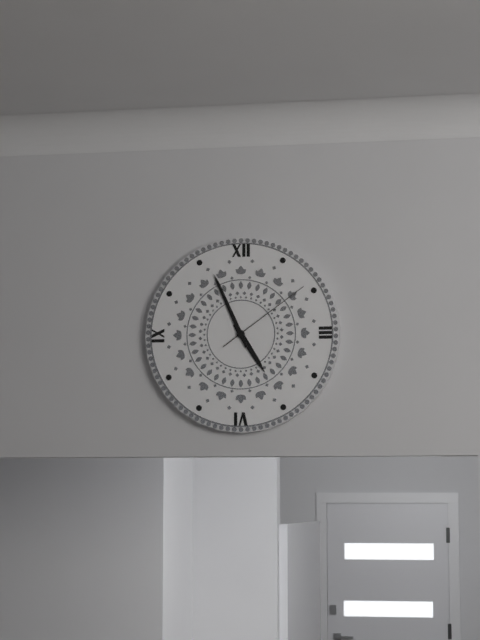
**4:56:09**
